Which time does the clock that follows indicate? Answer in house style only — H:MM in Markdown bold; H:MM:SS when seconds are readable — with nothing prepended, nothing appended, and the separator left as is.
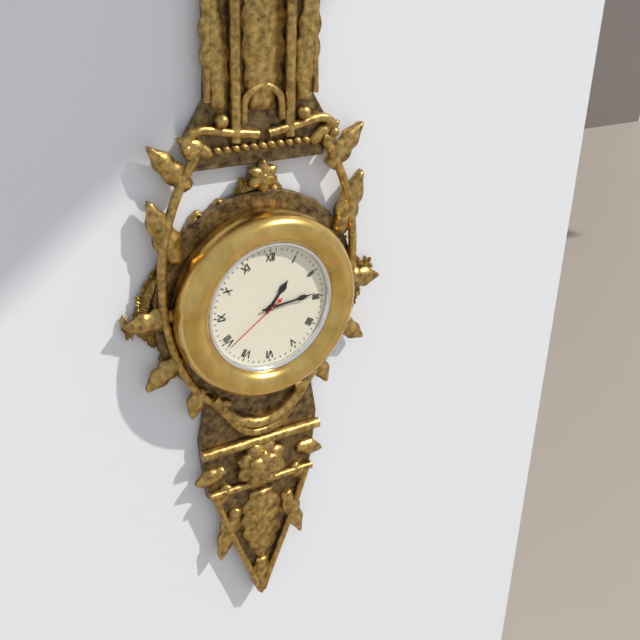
**1:14:39**
